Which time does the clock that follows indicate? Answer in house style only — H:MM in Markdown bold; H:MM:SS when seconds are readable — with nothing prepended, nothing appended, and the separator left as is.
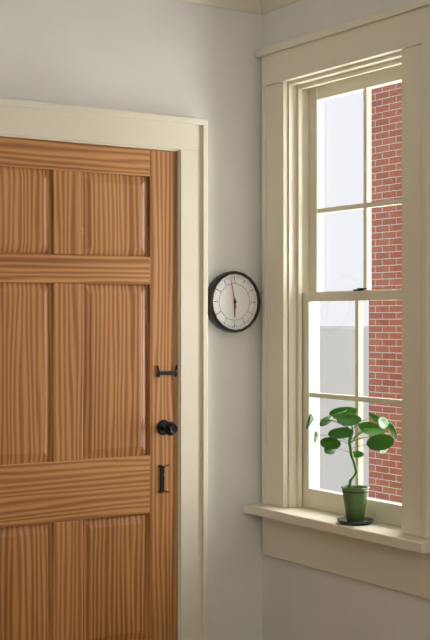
**5:58**
